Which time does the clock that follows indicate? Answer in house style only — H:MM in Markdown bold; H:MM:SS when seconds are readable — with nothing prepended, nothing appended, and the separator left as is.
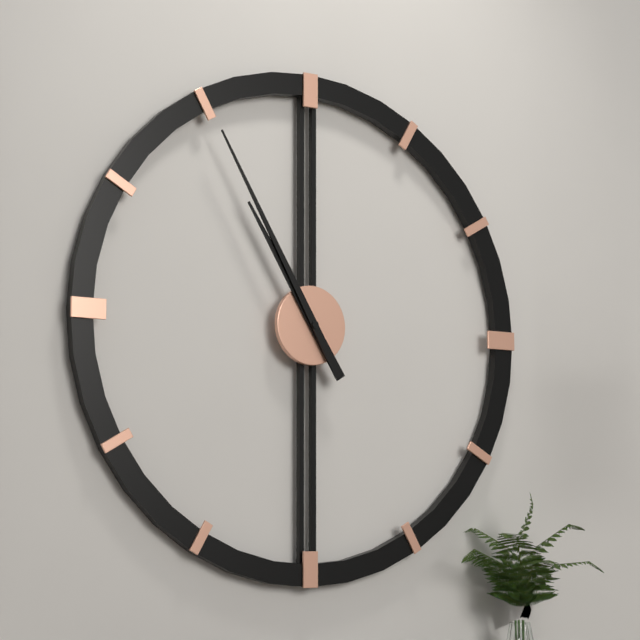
**10:55**
